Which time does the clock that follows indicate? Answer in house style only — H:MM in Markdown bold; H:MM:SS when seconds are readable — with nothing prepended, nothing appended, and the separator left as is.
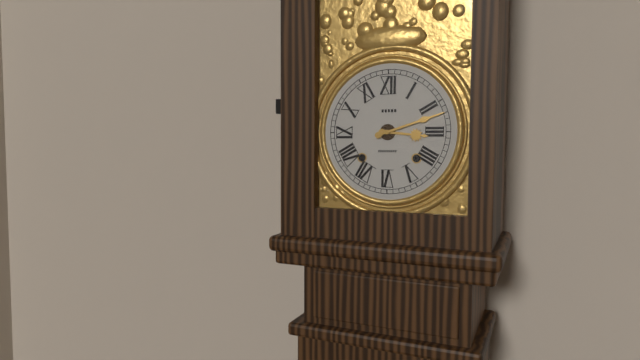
**3:12**
